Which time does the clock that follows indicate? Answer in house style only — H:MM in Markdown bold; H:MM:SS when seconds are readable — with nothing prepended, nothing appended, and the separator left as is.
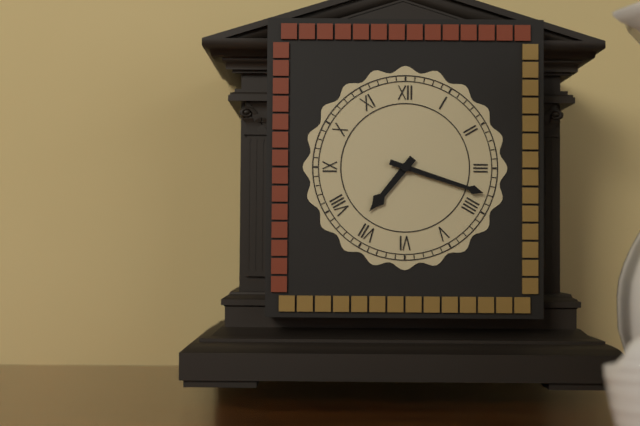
**7:18**
